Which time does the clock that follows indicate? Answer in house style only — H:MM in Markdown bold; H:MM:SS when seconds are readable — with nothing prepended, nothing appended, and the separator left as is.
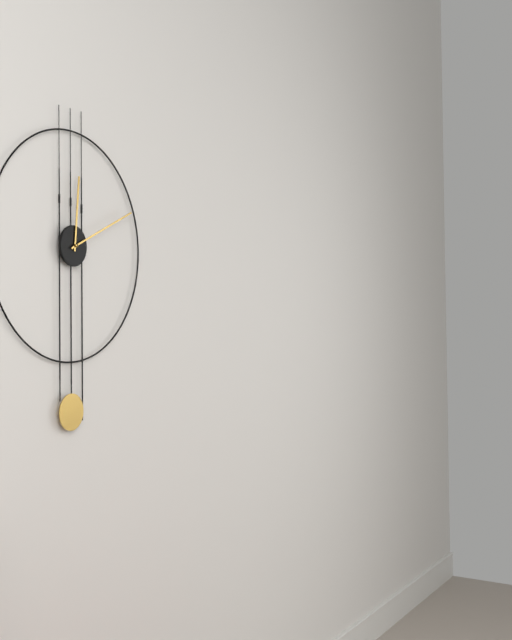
**12:11**
